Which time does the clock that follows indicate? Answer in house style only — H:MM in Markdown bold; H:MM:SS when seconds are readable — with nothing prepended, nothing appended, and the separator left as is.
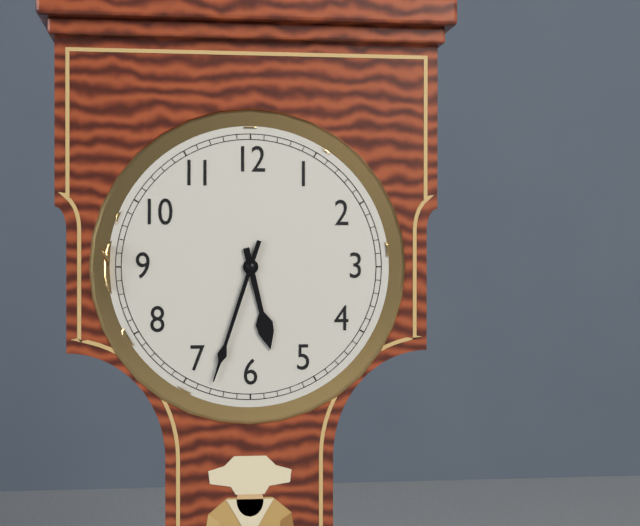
**5:33**
